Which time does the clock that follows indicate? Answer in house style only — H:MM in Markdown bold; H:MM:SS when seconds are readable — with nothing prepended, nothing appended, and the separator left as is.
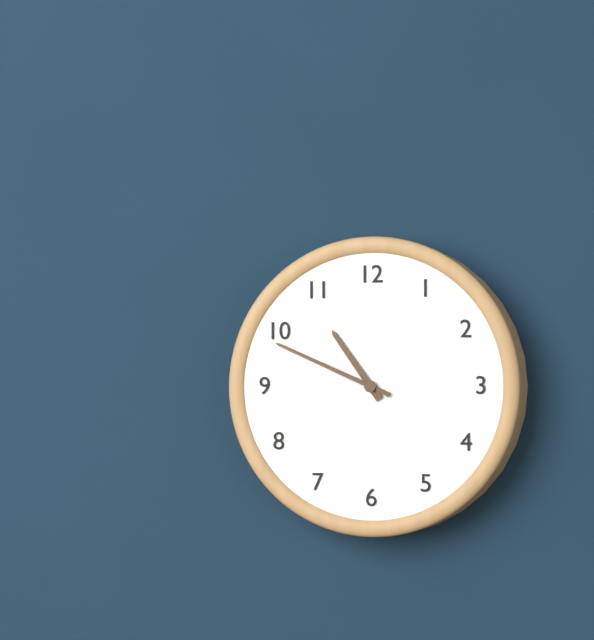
**10:49**
